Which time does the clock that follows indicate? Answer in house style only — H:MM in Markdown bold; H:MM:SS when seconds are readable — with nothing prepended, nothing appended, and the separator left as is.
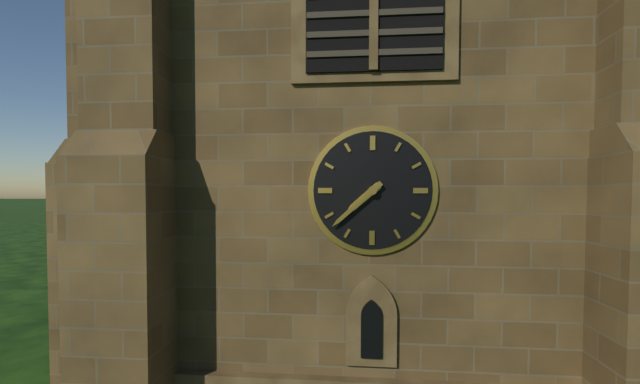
**7:38**
